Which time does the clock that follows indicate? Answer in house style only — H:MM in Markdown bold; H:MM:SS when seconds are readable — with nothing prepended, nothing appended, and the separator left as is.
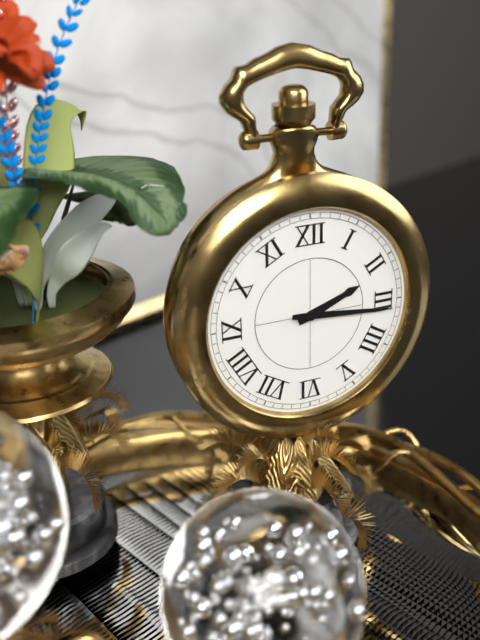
**2:16**
